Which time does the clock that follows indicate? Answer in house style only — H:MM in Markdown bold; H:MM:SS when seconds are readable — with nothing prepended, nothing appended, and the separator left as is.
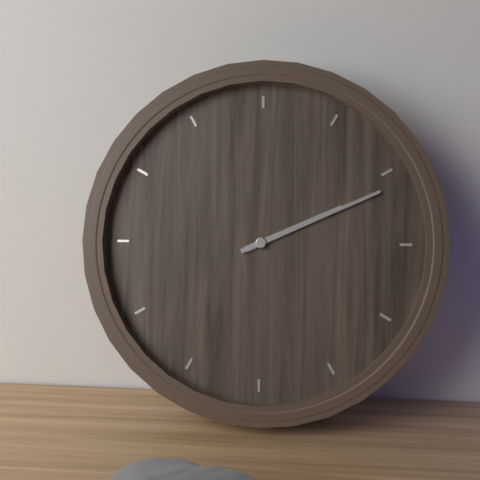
**2:11**
